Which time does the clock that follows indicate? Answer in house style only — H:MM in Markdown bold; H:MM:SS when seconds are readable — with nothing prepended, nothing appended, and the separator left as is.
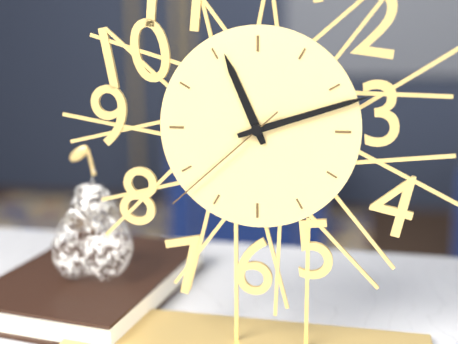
**11:12:38**
